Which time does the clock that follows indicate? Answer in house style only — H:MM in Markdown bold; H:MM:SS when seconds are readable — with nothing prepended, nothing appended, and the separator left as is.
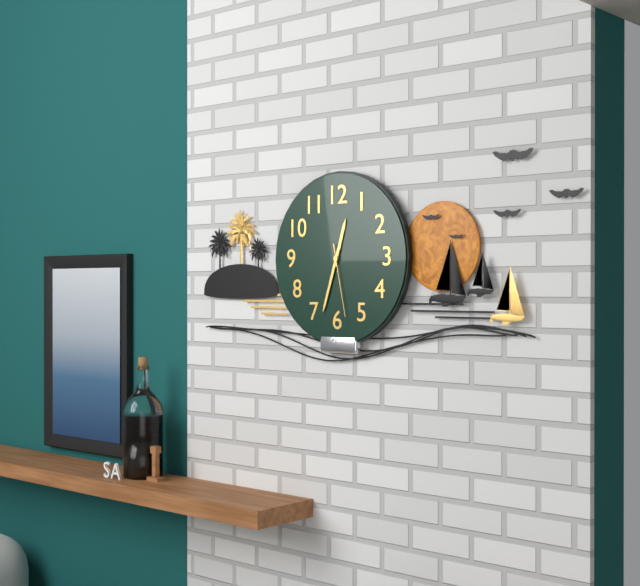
**12:33:28**
